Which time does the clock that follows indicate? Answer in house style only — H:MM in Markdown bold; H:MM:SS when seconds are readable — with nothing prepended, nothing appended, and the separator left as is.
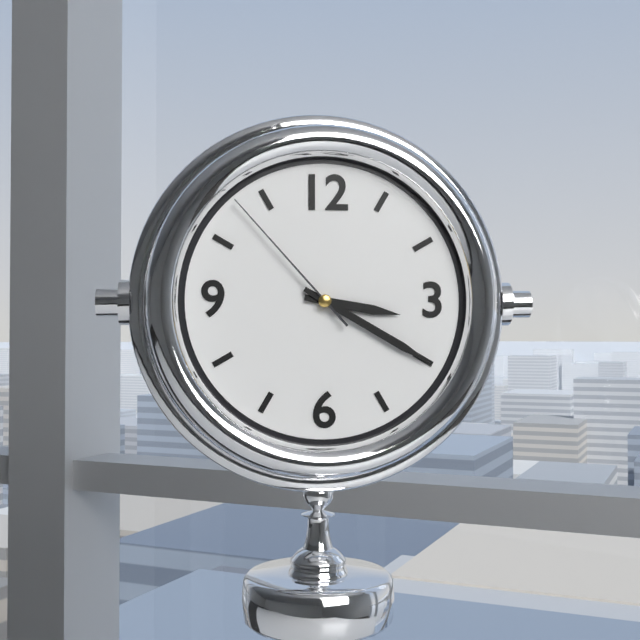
**3:20:53**
